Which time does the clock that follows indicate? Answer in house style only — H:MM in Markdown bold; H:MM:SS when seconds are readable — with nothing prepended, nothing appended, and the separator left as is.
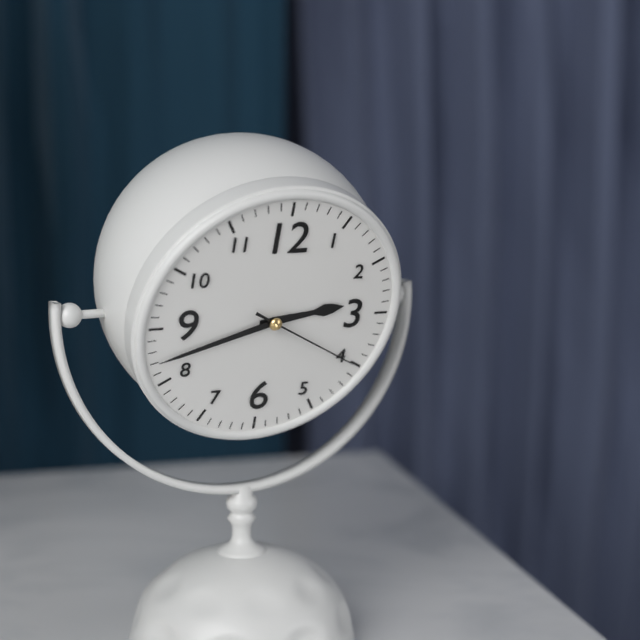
**2:42:20**
